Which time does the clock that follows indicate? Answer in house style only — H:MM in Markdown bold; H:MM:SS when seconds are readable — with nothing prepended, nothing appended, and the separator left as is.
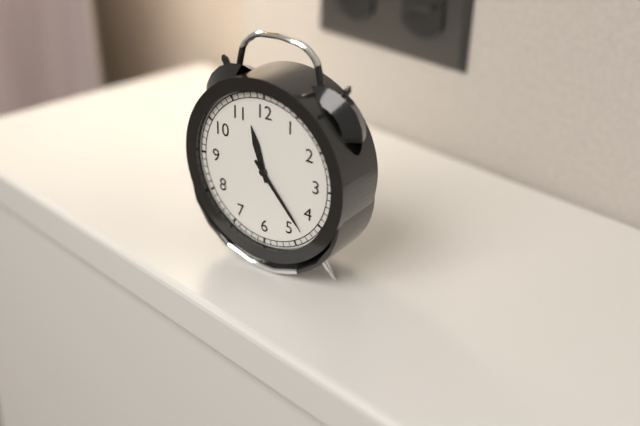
**11:23**
